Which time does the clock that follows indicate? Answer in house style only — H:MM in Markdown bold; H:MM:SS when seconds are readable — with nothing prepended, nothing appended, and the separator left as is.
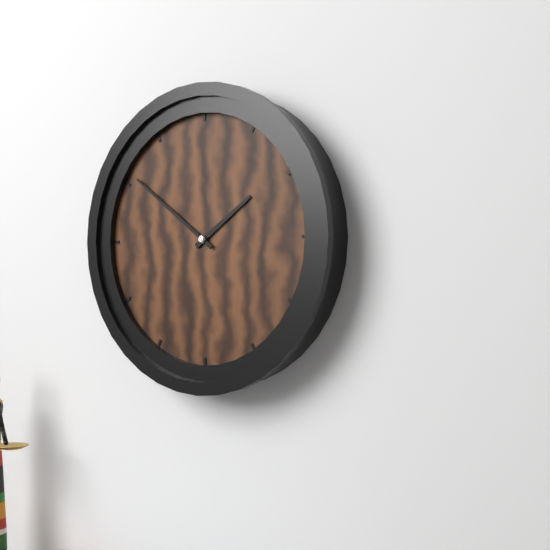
**1:51**
